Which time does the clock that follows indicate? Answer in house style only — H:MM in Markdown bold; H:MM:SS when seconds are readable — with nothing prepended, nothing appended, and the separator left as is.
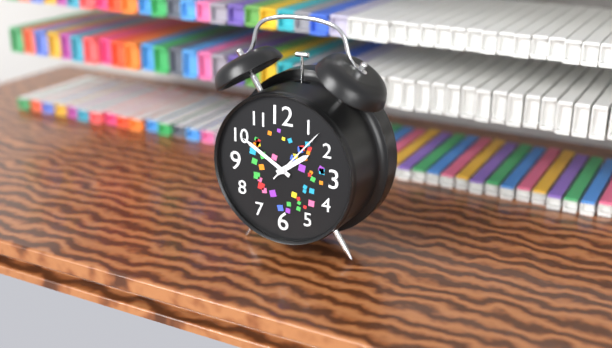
**1:50:07**
